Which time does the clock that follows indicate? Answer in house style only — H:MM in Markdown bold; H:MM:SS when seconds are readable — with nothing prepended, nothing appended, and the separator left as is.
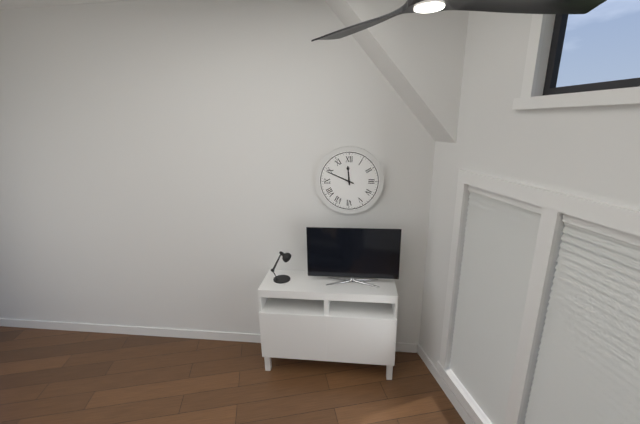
**11:49**
